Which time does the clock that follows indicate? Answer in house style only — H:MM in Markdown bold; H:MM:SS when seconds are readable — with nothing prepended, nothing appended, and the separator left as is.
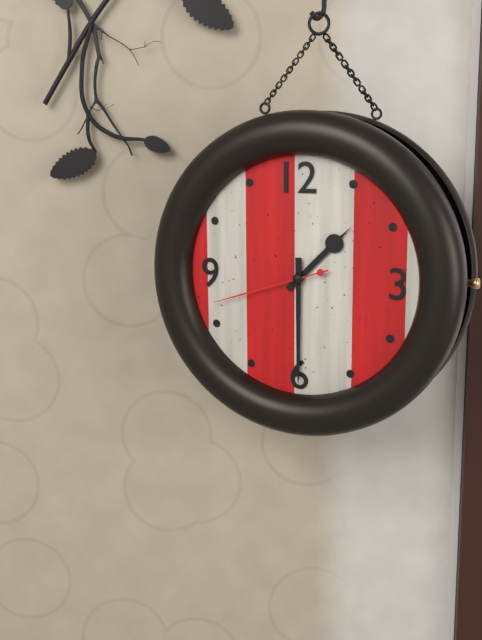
**1:30:42**
